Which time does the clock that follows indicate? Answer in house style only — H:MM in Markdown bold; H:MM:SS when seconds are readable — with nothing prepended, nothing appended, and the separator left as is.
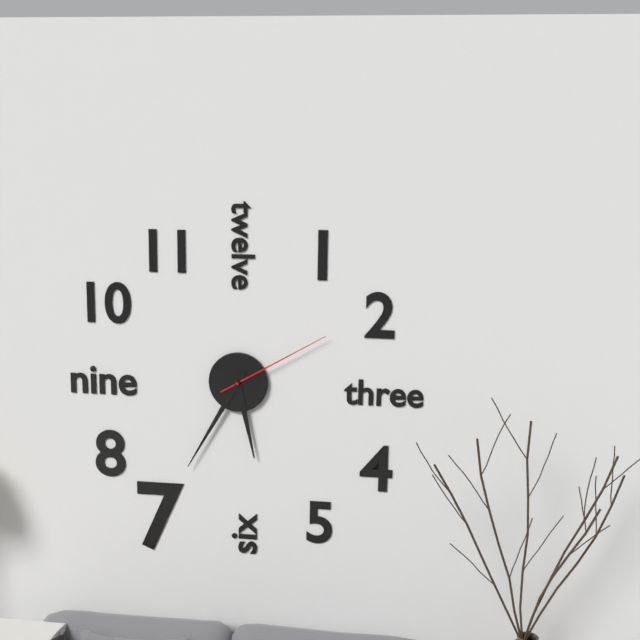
**5:35:10**
